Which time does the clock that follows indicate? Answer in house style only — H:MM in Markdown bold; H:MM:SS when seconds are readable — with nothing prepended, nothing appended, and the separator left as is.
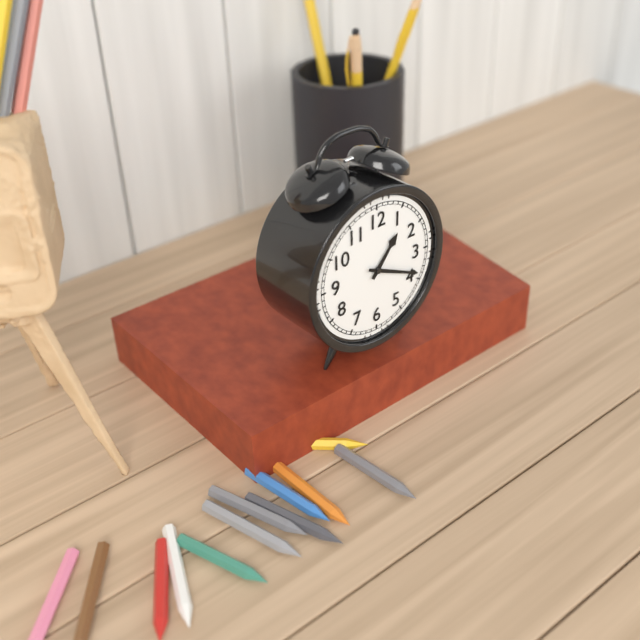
**1:19**
